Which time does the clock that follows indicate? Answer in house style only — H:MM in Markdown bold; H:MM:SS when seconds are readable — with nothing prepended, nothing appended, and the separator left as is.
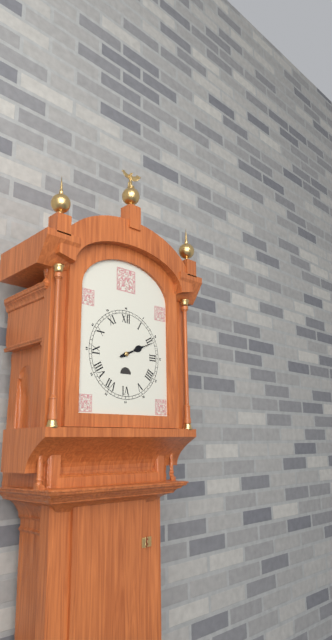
**2:11**
